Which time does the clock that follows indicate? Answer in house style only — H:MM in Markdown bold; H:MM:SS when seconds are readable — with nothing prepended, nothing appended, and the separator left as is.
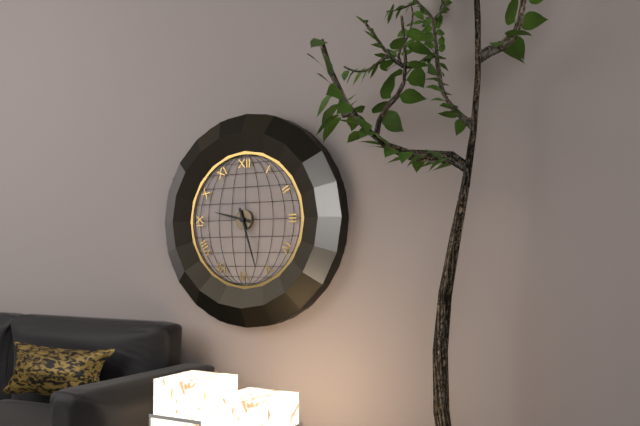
**9:27**
